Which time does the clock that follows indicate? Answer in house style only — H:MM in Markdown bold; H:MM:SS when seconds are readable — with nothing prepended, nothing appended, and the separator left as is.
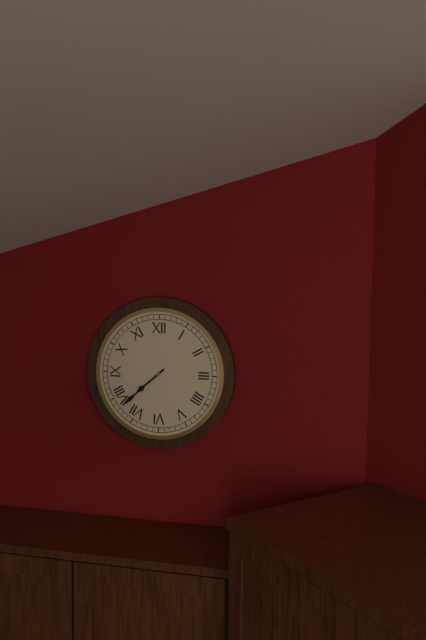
**7:38**
